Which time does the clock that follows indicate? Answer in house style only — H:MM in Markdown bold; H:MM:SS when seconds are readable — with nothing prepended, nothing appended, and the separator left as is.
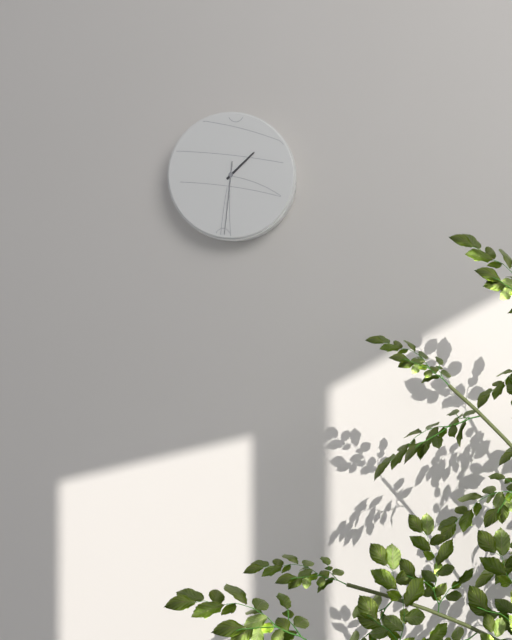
**1:31**
